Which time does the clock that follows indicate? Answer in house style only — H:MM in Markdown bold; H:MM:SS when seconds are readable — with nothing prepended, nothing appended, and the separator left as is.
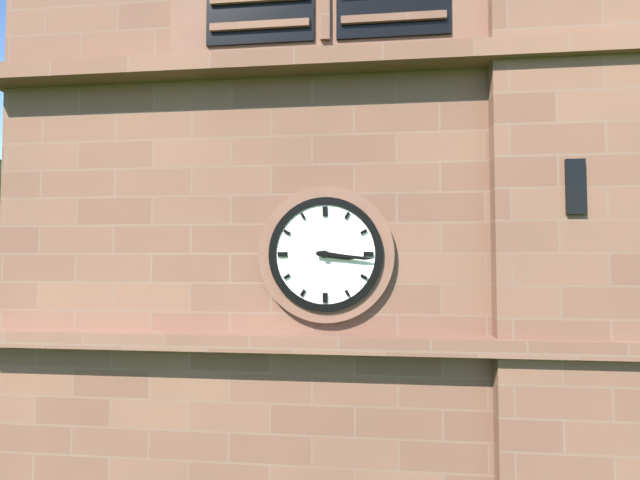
**3:16**
